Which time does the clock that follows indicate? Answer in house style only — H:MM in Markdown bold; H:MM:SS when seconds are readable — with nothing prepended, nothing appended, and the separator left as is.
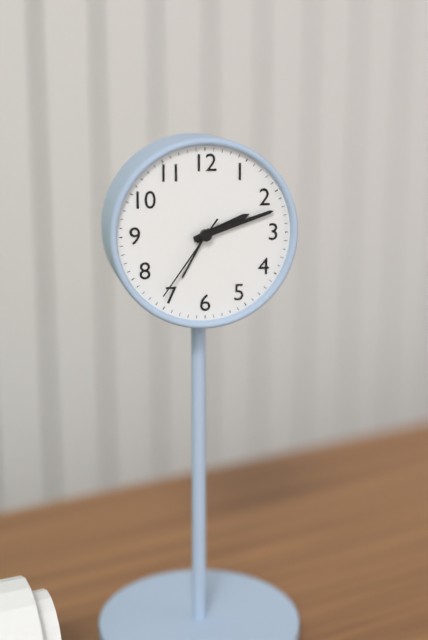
**2:12:36**
